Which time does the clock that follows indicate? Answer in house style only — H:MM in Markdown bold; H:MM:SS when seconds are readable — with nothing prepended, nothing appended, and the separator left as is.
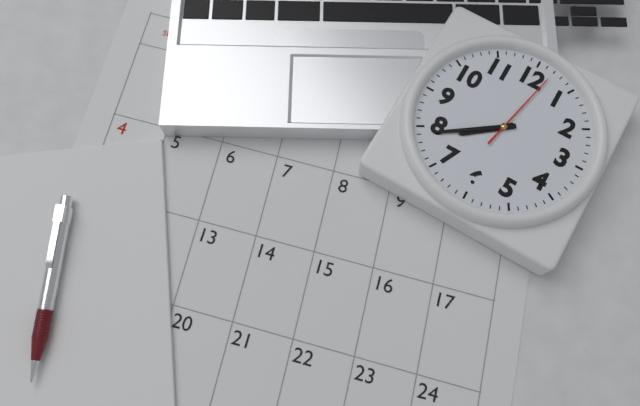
**7:39:02**
